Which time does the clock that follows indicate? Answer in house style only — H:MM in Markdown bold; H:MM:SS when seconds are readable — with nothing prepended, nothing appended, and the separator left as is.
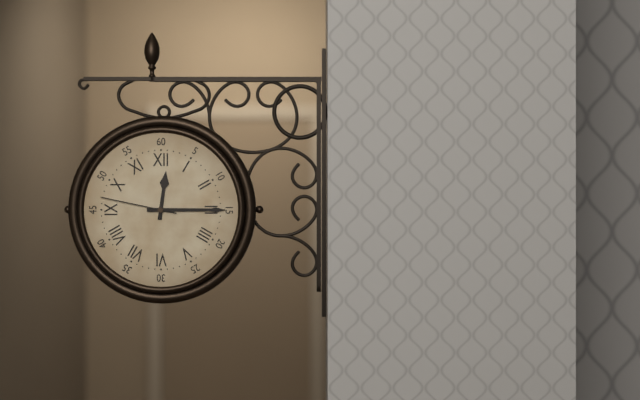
**12:15:47**
